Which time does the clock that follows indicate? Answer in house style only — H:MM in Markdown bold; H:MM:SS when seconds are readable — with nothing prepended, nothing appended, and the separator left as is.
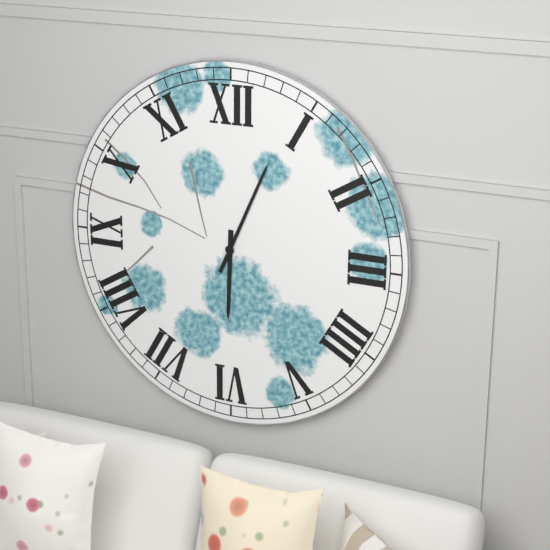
**6:04**
